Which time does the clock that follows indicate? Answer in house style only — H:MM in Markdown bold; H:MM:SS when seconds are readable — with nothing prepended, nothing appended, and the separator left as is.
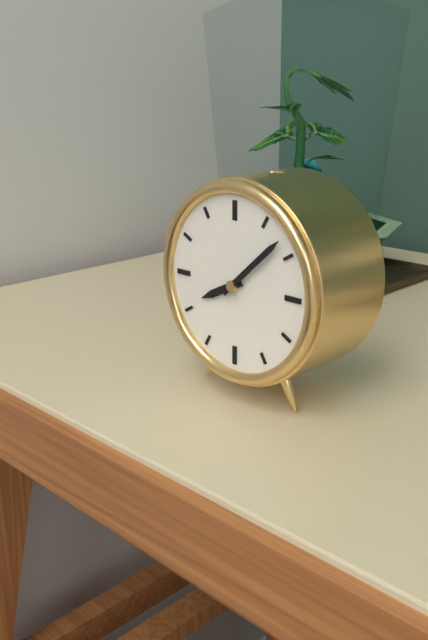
**8:08**
